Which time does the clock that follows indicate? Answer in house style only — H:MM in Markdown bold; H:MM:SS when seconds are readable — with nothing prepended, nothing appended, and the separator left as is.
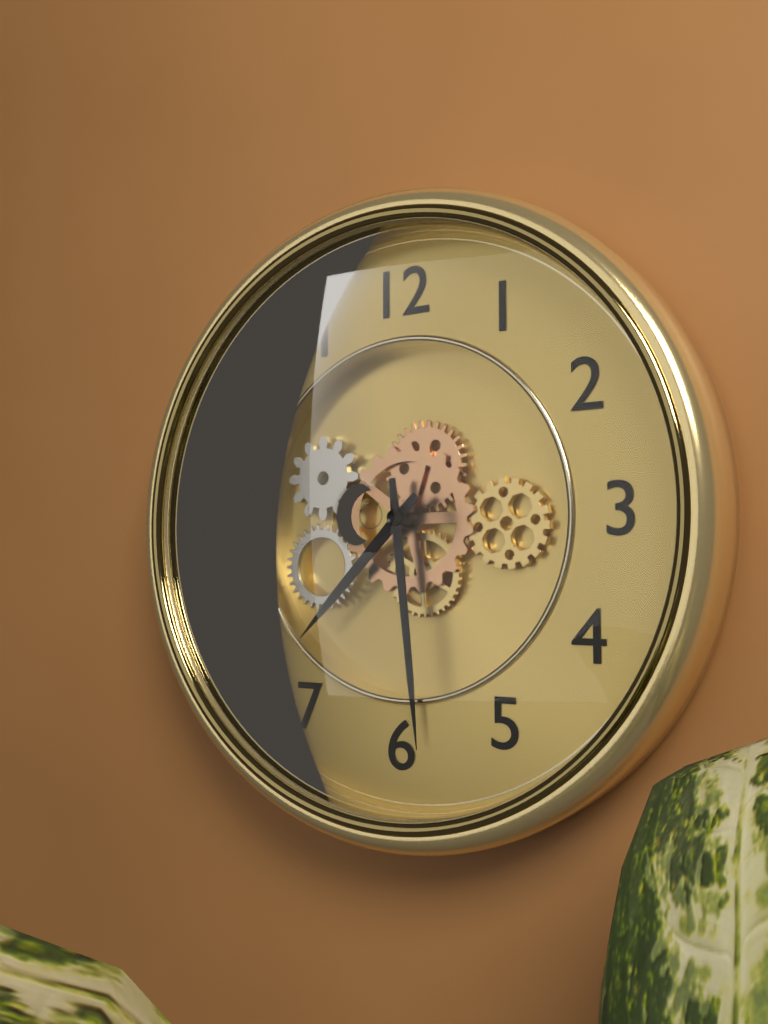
**7:29**
